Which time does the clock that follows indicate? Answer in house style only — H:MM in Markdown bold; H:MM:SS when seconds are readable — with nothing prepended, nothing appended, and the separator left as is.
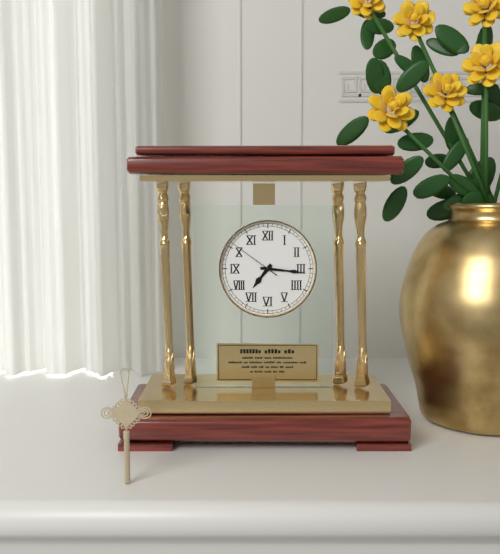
**7:16:51**
